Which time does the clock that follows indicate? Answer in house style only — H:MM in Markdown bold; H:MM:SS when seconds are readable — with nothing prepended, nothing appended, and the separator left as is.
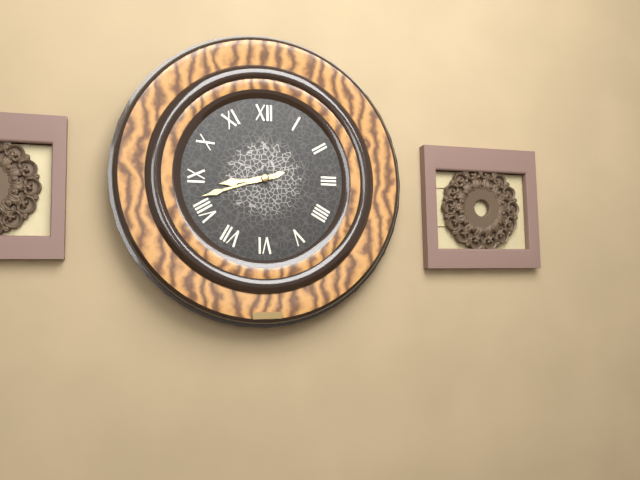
**8:42**
